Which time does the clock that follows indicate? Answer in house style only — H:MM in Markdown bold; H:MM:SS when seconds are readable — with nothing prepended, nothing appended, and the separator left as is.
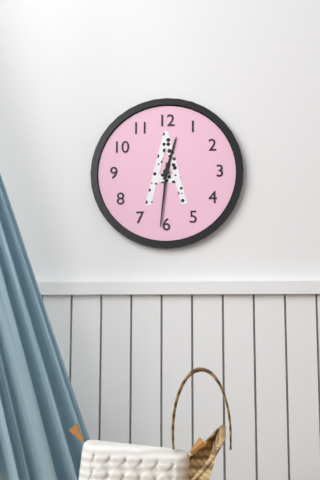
**12:31**
